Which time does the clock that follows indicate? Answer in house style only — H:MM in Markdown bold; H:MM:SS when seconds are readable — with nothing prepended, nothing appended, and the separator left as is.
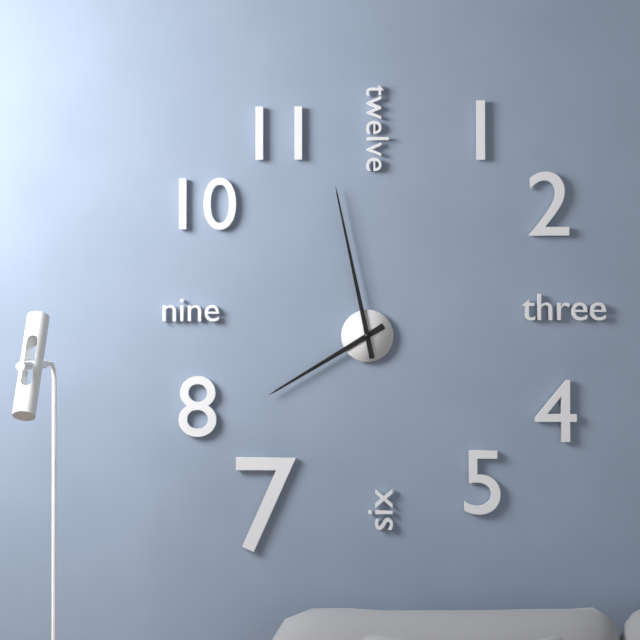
**7:58**
